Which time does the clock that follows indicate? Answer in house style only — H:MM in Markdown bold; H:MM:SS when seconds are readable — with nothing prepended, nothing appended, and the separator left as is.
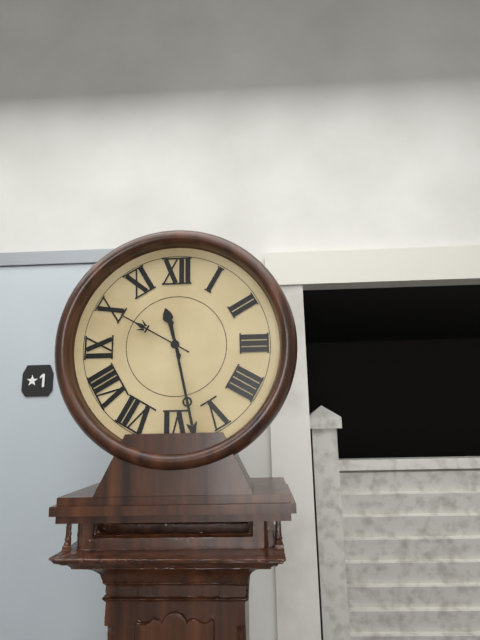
**11:28:50**
